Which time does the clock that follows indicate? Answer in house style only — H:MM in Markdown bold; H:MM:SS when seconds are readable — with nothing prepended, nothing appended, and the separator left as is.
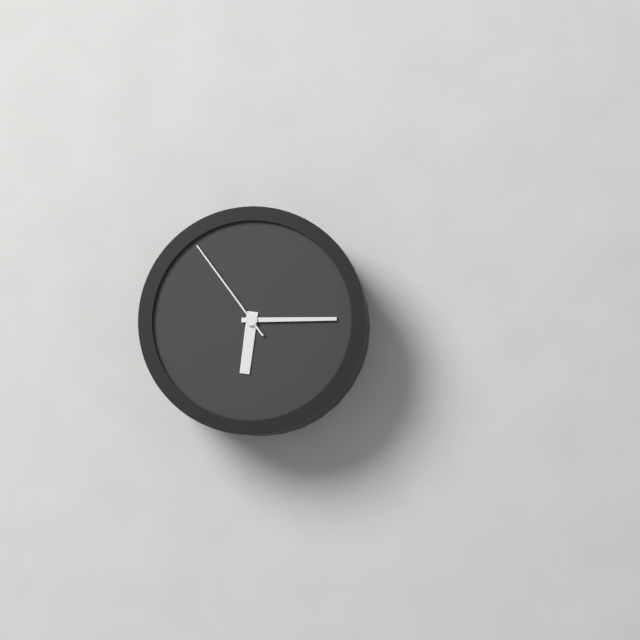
**6:15:54**
